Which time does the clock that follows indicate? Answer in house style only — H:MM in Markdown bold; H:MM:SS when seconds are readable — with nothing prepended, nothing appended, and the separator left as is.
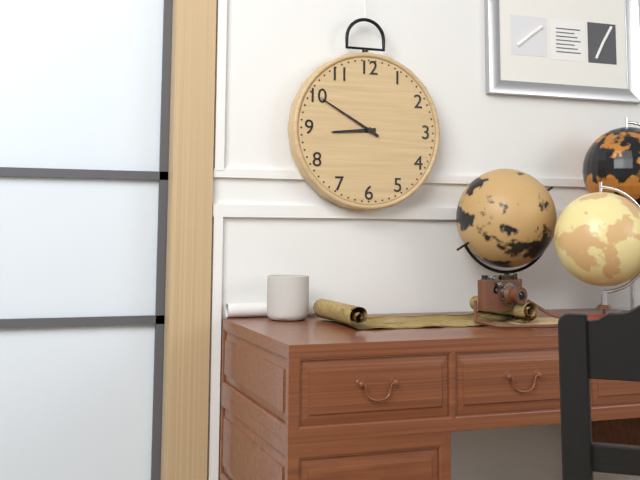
**8:50**
